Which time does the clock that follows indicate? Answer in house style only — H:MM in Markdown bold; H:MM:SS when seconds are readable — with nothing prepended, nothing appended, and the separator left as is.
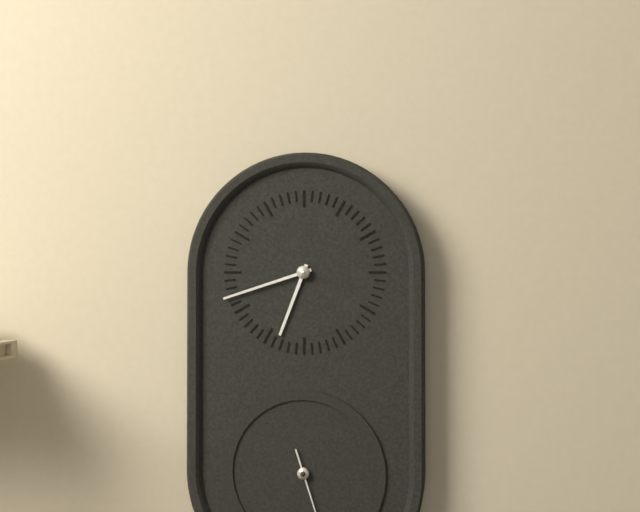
**6:42**
